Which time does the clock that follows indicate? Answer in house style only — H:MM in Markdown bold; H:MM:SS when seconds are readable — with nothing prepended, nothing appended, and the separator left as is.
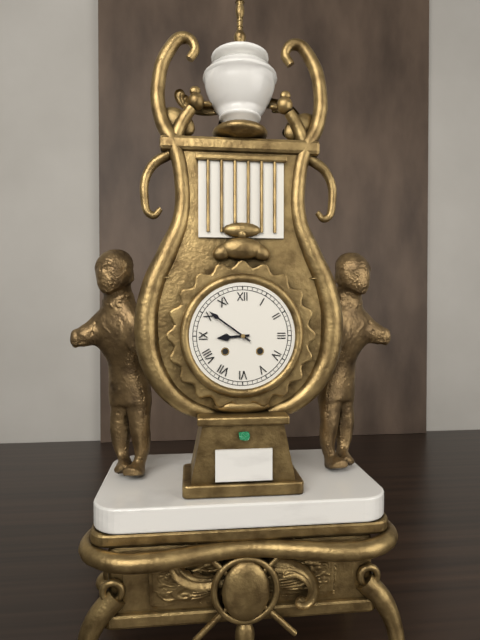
**8:51**
